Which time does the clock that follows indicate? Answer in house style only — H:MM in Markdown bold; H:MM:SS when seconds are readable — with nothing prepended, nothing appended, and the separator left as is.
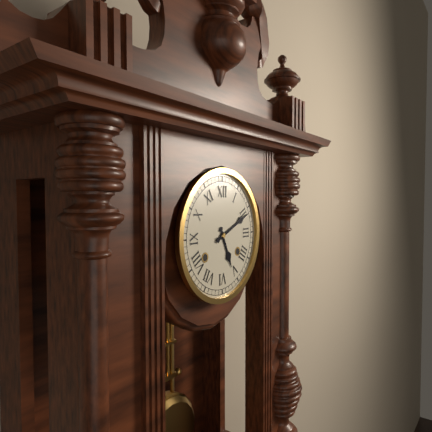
**5:11**
